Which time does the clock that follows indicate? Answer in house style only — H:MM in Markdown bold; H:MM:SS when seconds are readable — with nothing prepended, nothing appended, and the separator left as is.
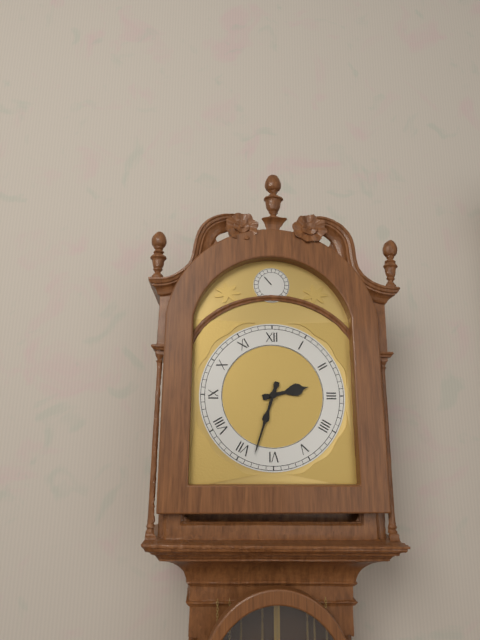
**2:33**
